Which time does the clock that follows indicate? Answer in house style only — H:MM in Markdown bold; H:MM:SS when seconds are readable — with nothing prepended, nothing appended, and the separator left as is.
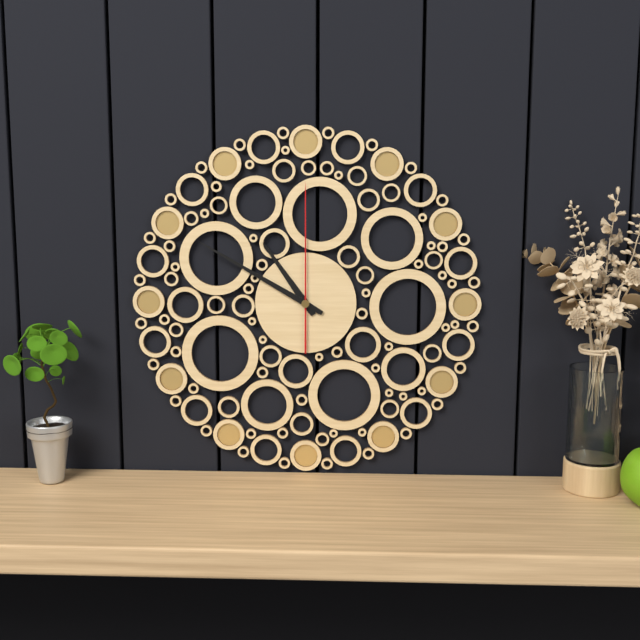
**10:50:00**
